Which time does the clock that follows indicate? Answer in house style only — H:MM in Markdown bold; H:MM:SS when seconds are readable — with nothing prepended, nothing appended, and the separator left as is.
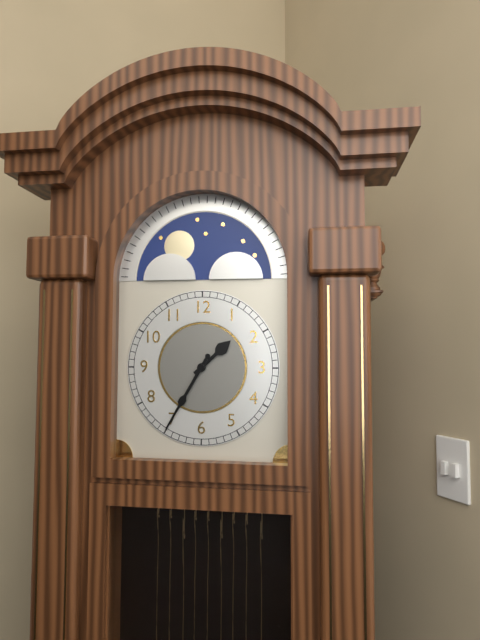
**1:35**
